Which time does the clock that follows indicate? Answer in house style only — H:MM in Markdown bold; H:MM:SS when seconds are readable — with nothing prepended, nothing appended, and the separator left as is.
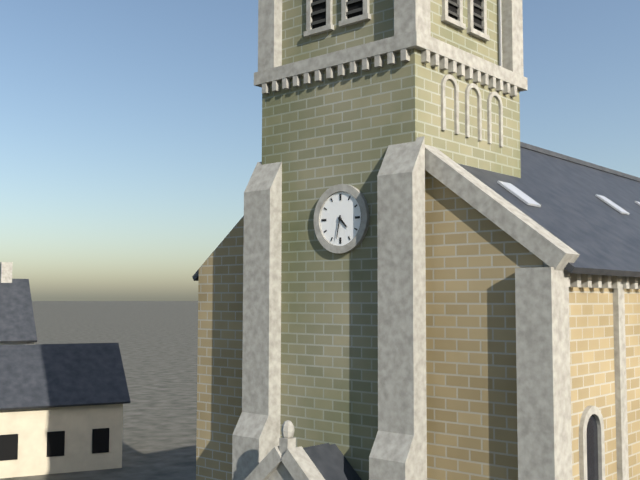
**4:32**
